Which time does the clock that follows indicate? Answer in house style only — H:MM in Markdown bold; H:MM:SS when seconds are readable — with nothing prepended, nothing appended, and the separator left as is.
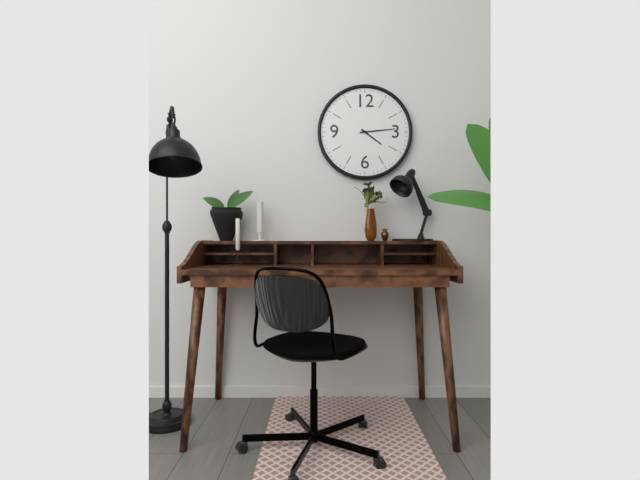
**4:14**
